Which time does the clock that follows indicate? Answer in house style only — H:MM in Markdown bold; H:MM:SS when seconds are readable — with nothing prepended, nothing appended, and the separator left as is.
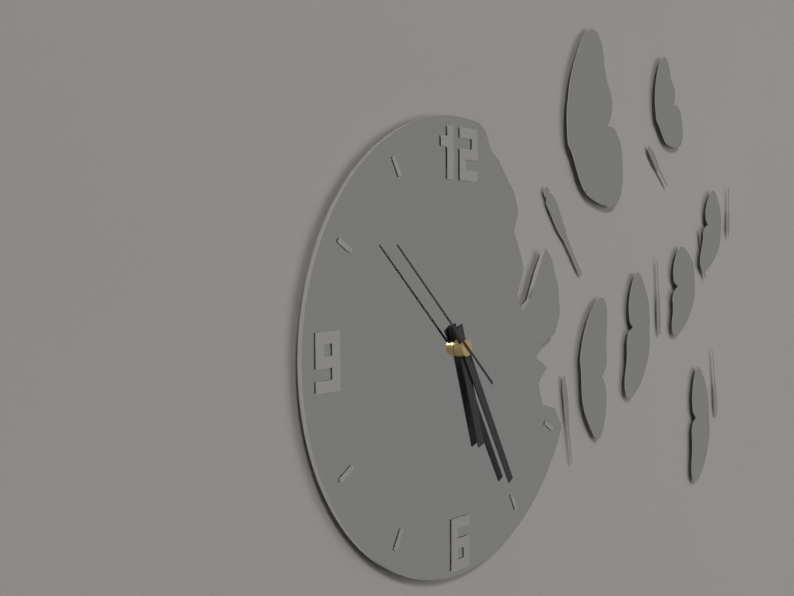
**5:25:52**
